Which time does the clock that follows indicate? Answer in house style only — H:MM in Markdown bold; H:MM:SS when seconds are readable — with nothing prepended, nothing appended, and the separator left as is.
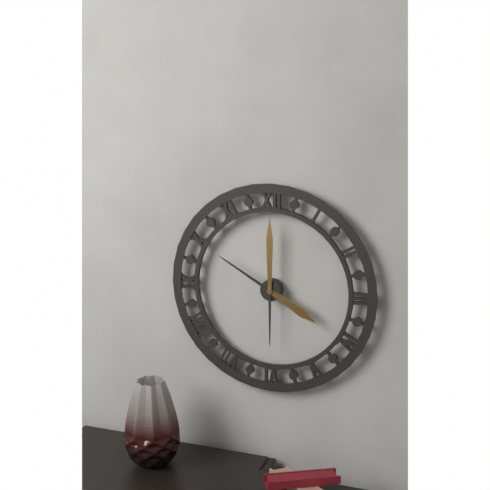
**4:00**
